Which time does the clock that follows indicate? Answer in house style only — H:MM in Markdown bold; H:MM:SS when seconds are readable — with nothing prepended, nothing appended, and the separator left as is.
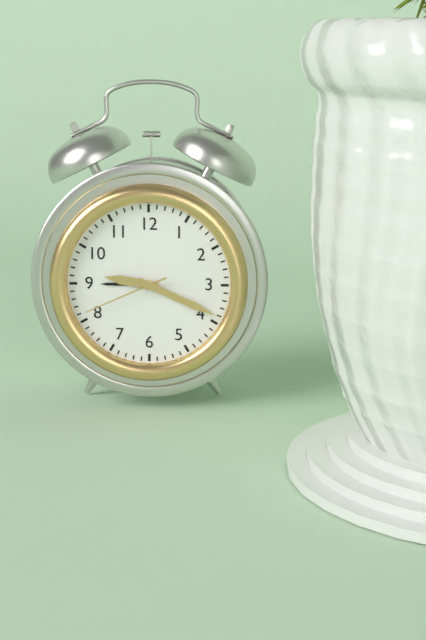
**9:19:41**
